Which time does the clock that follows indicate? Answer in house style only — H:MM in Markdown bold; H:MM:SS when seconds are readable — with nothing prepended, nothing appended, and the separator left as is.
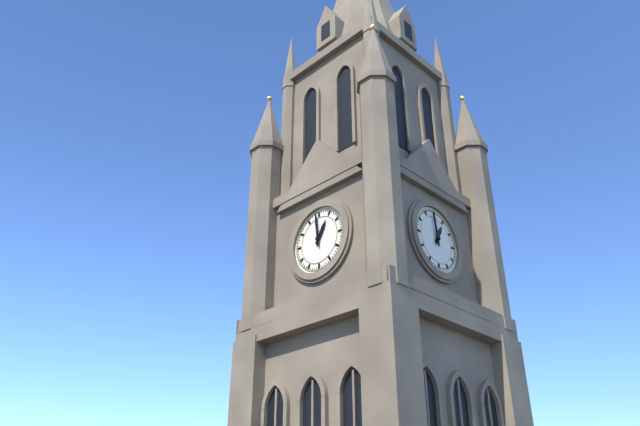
**12:59**
